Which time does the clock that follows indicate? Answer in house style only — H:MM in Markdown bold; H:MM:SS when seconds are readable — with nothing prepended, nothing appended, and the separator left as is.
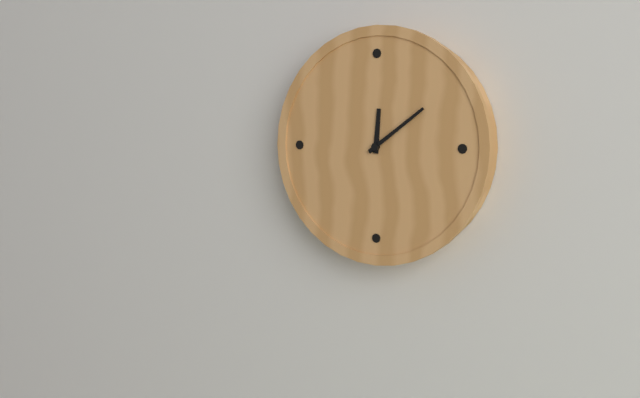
**12:09**
